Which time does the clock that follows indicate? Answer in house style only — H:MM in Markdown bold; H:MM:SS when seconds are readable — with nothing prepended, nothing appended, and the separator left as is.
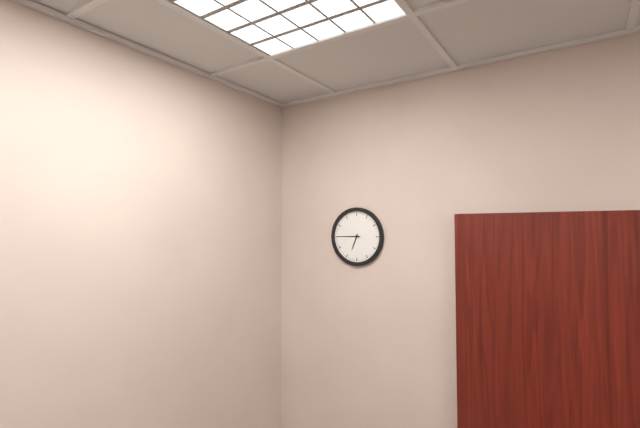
**6:45**
